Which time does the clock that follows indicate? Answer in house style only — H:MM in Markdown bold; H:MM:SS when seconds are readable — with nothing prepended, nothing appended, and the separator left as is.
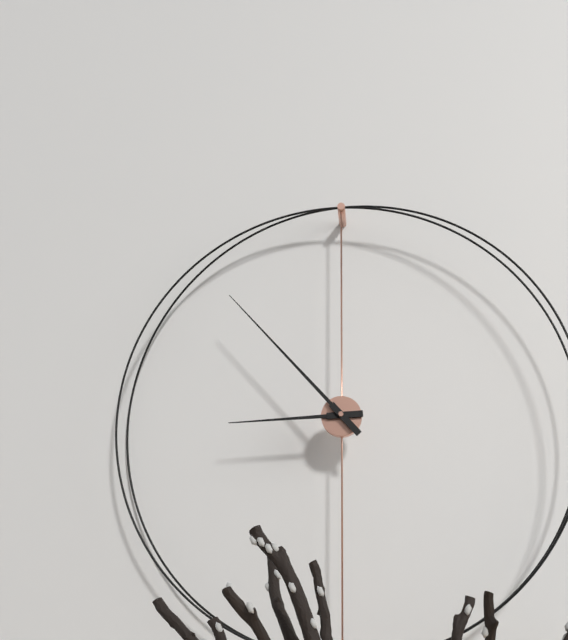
**8:53**
